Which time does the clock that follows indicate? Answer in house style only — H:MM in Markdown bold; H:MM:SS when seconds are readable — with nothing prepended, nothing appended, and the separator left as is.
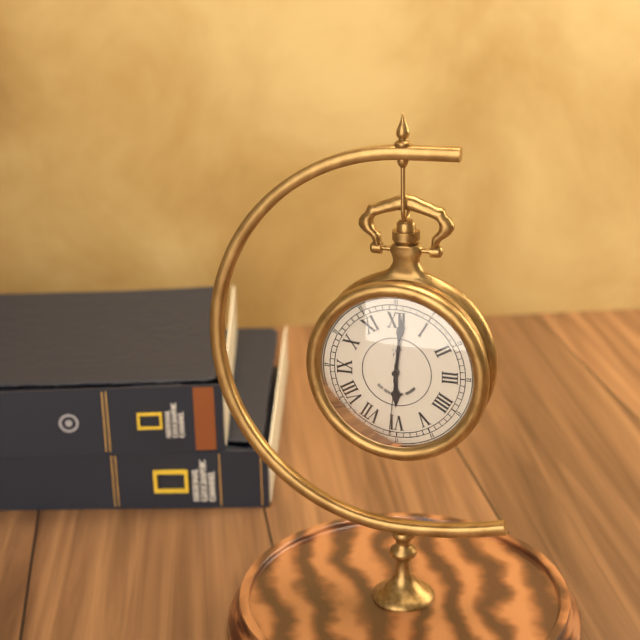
**6:01:31**
